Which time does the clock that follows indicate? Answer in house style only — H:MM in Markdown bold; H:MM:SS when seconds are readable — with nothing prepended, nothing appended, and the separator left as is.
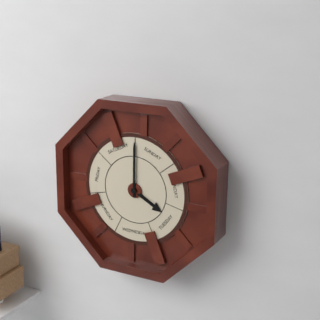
**4:00**
